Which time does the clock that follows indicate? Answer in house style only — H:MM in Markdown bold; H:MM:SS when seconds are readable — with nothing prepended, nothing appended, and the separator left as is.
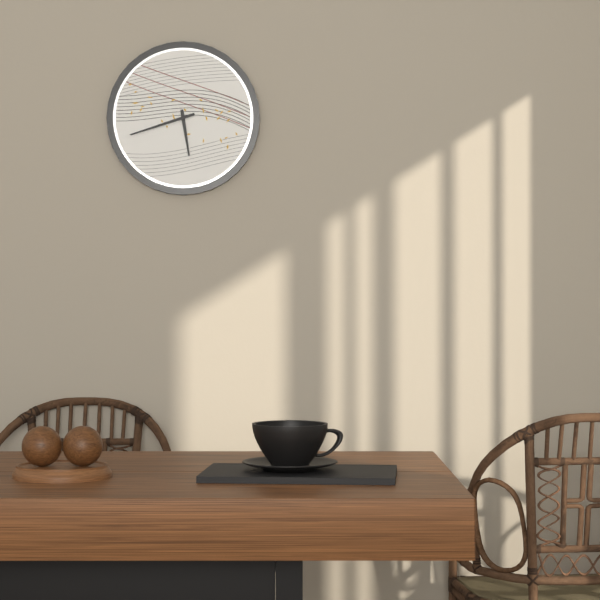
**5:42**
